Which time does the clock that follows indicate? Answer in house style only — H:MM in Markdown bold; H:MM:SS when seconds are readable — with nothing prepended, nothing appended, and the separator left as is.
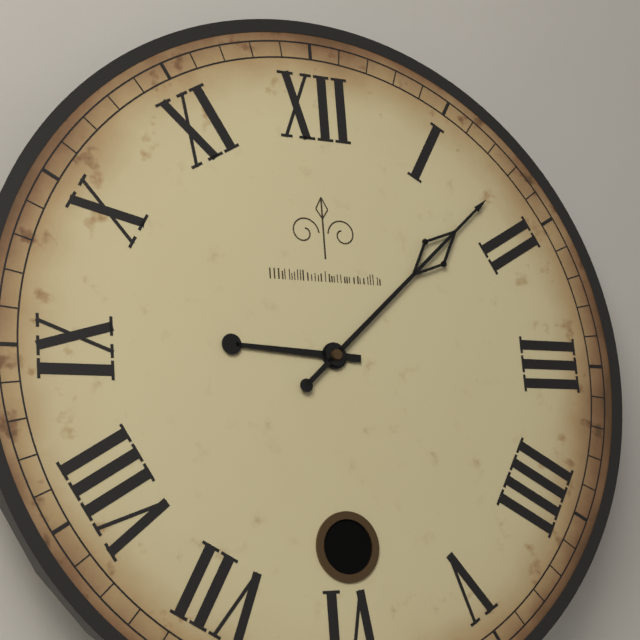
**9:08**
